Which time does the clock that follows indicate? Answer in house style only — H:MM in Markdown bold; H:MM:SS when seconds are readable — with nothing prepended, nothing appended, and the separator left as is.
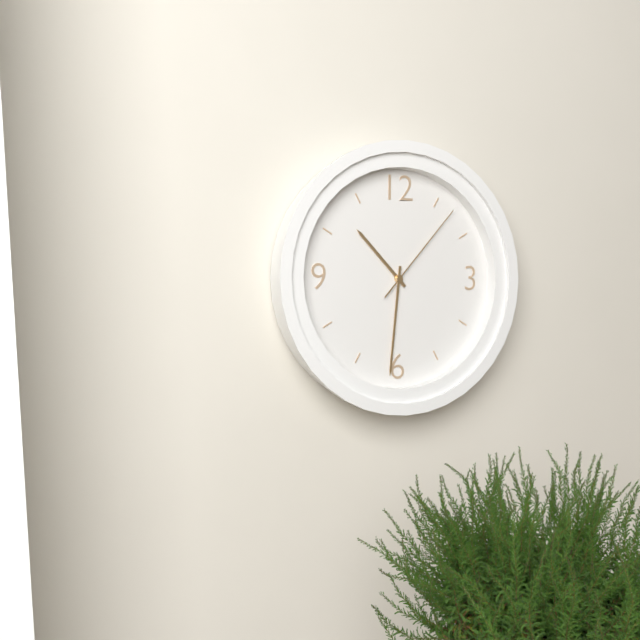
**10:31:07**
